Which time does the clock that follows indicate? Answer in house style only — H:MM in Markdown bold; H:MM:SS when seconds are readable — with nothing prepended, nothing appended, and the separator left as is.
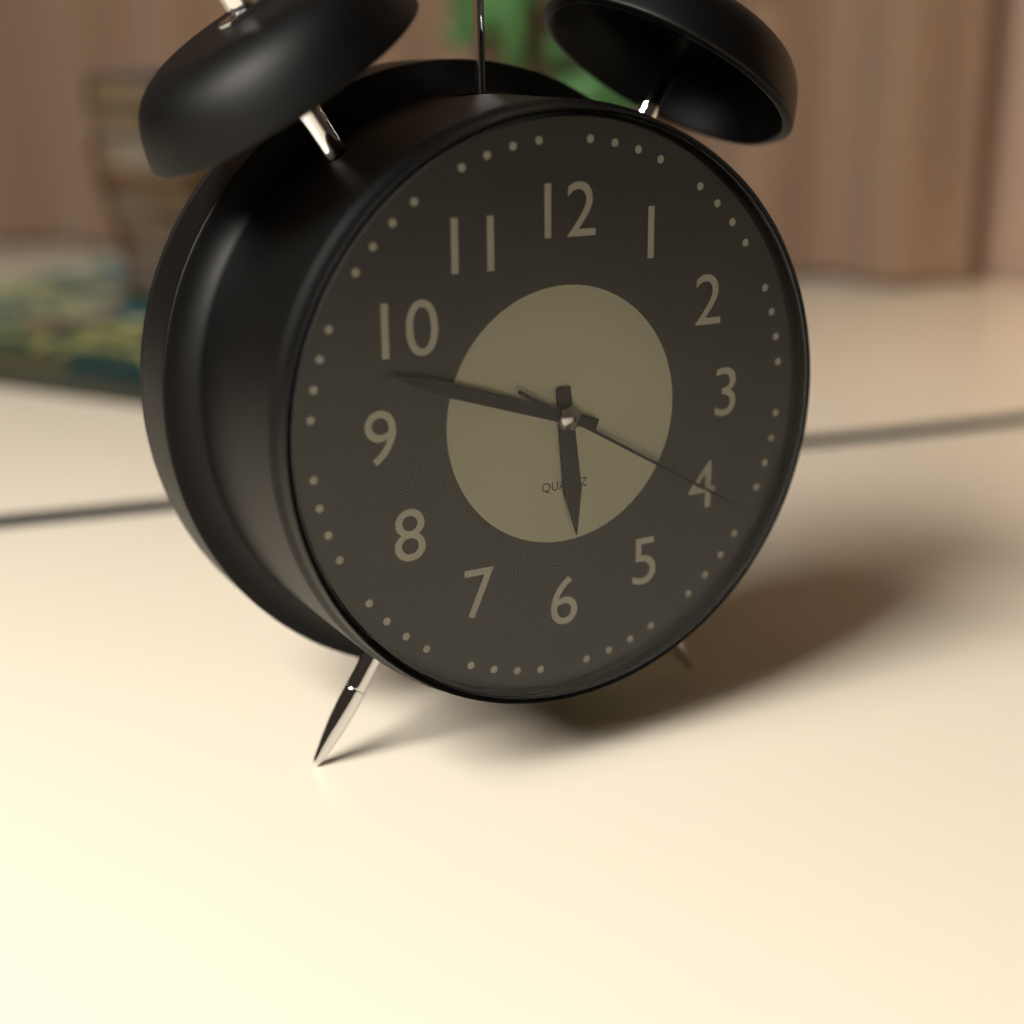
**5:48:20**
